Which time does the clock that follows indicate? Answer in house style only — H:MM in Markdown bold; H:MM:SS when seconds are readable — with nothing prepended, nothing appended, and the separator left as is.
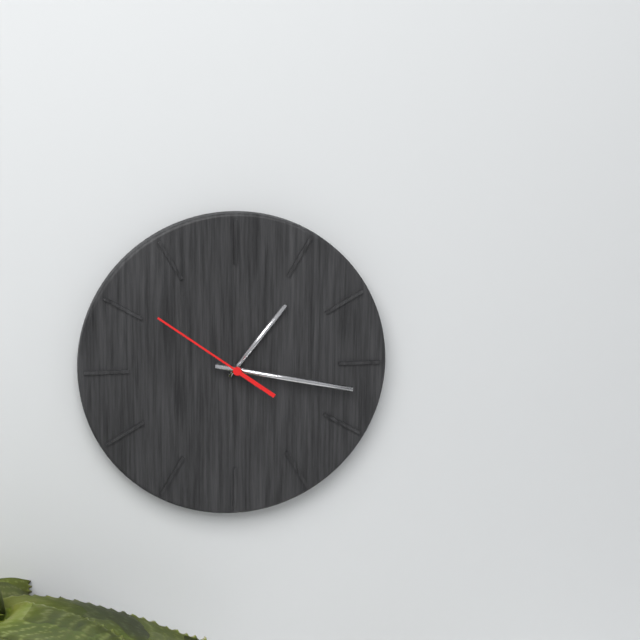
**1:17:51**
